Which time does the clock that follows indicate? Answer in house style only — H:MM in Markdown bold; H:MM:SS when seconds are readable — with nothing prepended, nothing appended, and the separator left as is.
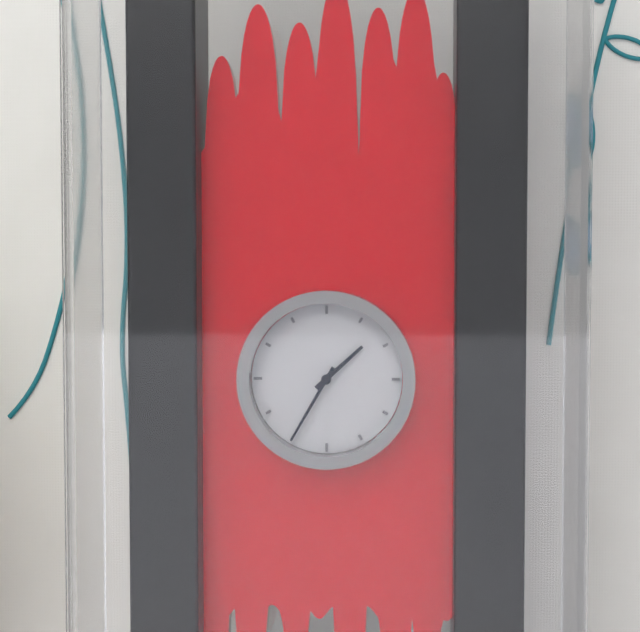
**1:35**
